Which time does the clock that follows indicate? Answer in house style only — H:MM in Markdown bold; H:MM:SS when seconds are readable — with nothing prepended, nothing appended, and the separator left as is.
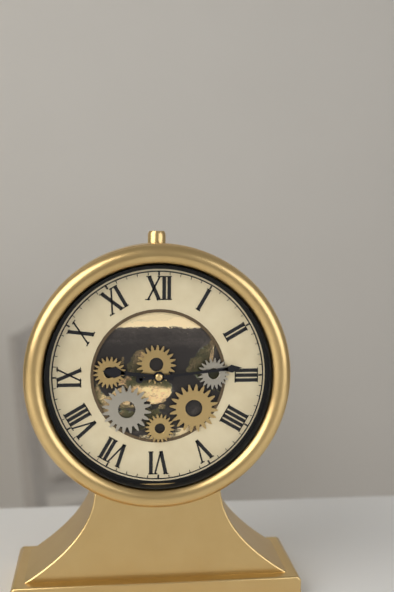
**9:14**
